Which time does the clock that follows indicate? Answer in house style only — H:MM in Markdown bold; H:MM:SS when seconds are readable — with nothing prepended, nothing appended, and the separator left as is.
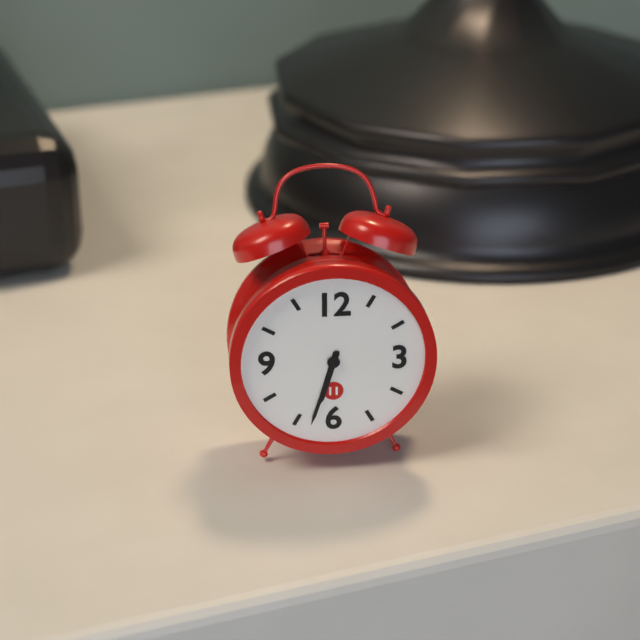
**6:33**
